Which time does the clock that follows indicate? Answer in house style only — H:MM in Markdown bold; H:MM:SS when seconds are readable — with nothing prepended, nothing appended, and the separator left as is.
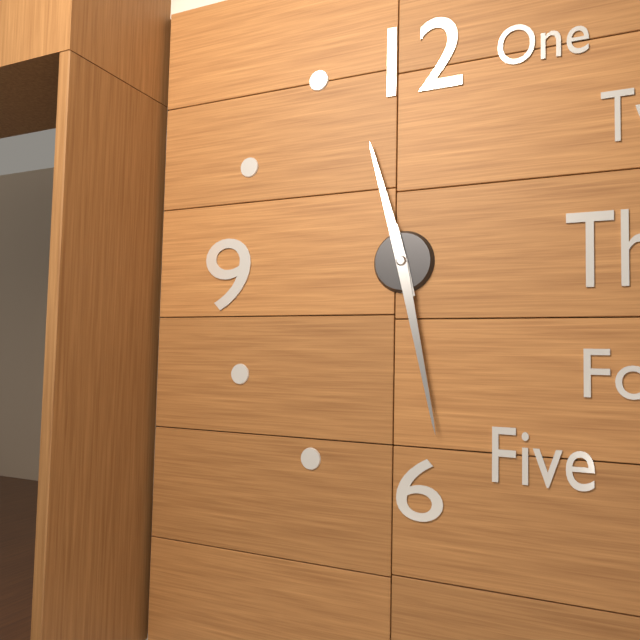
**11:28**
